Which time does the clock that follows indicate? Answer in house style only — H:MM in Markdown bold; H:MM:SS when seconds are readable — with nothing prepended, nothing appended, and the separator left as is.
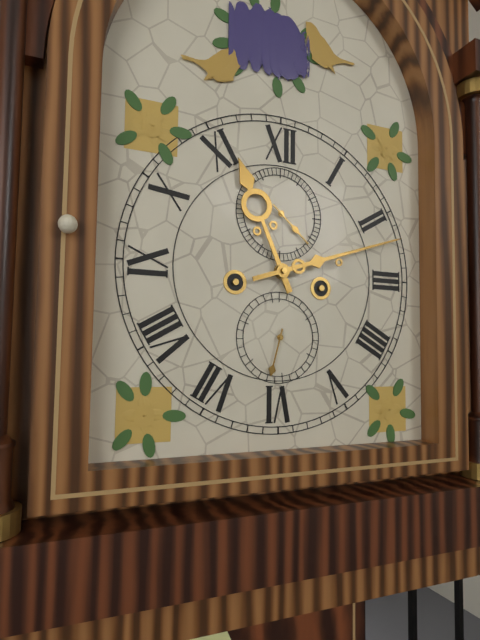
**11:12:22**
